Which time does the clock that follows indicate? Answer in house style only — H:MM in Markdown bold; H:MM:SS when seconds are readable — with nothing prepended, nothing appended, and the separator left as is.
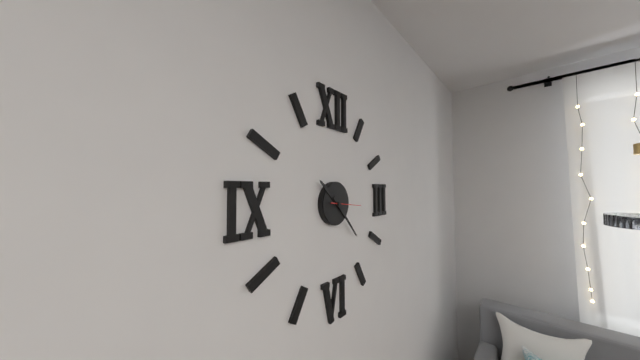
**10:23**
